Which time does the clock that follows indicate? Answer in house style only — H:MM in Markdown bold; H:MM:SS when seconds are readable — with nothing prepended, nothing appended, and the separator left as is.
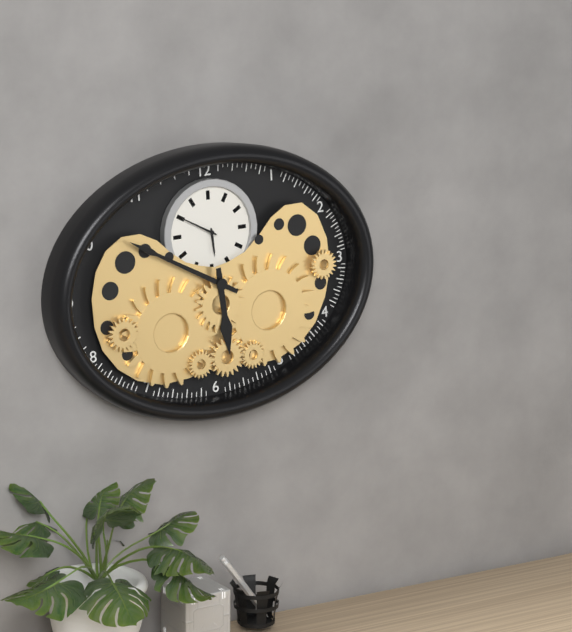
**5:50**
